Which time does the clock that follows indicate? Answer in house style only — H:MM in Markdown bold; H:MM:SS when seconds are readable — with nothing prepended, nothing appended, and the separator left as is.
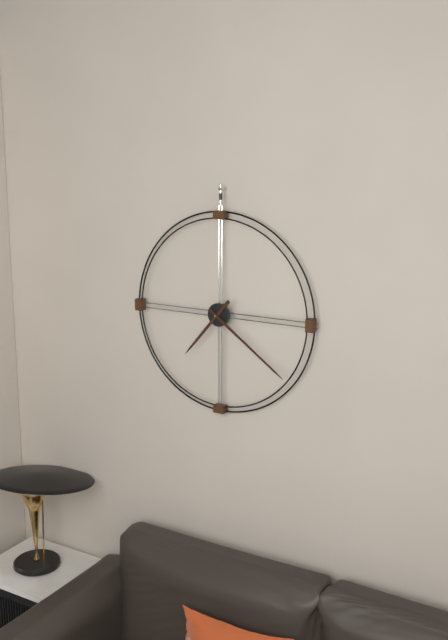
**7:21**
